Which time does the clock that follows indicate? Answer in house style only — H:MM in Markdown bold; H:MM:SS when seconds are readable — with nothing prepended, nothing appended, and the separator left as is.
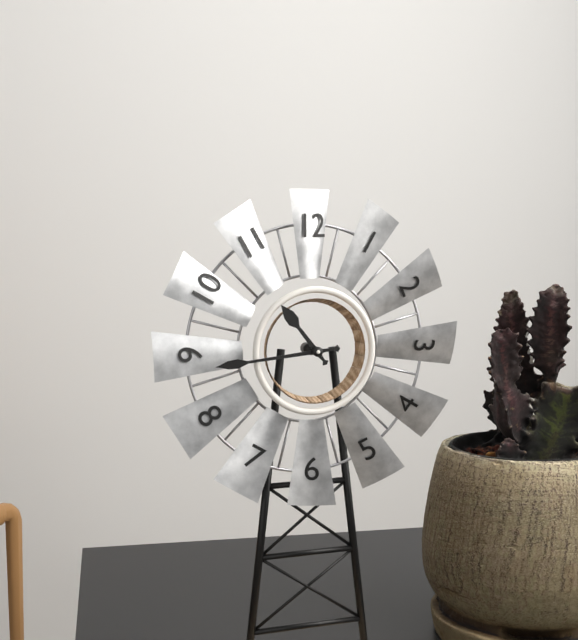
**10:44**
